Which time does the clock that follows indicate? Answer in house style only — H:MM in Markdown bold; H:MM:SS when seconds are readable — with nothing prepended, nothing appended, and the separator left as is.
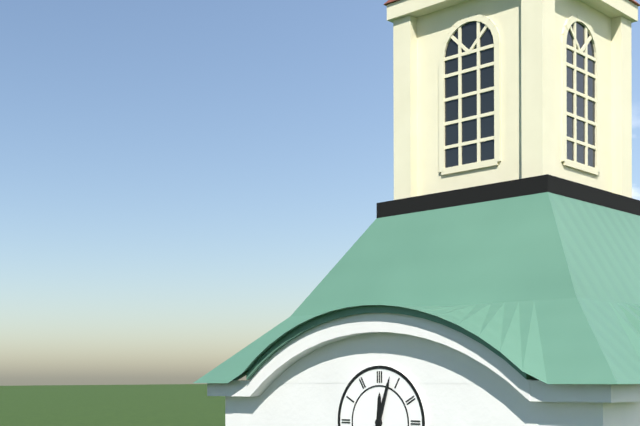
**12:03**
